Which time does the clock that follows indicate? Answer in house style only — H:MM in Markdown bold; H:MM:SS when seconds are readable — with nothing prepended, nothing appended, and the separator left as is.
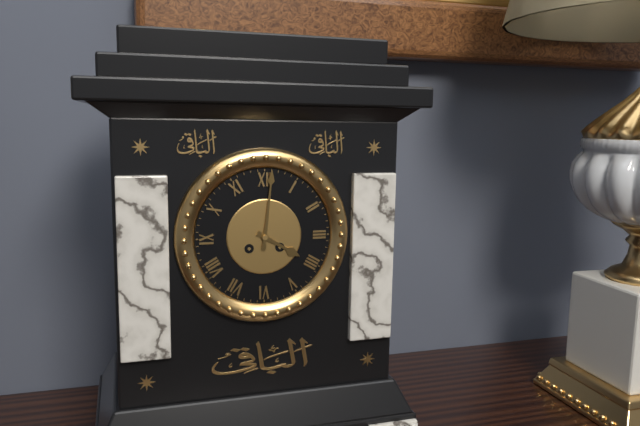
**4:01**
